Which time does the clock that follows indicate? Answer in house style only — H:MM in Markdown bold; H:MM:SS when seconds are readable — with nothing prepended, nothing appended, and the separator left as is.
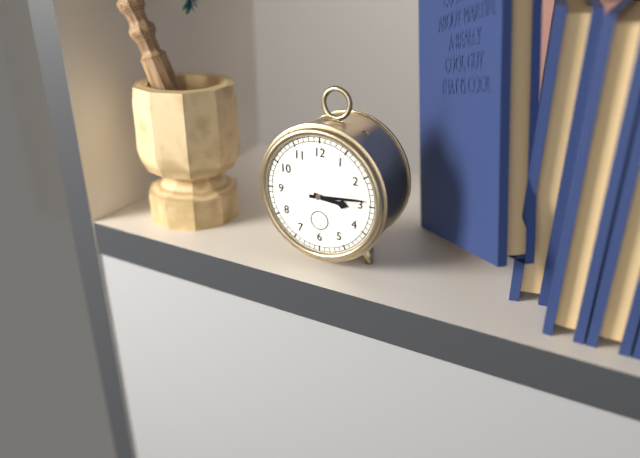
**3:14**
